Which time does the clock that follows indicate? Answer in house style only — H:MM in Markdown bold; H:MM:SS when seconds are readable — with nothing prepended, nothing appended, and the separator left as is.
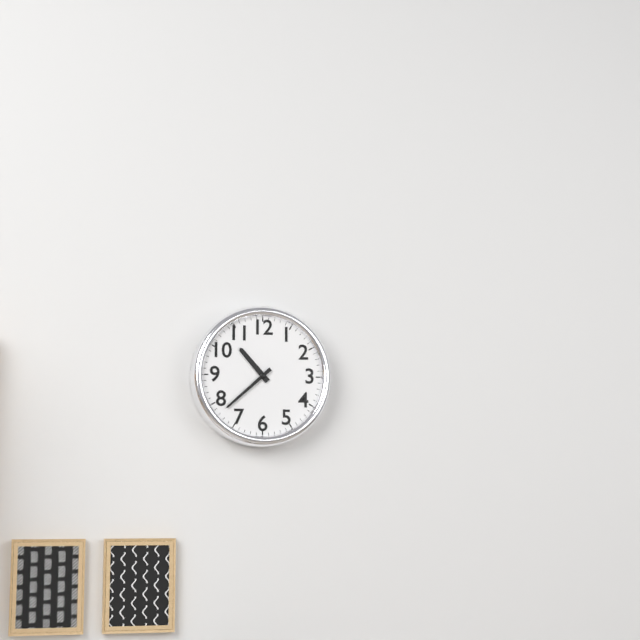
**10:38**
